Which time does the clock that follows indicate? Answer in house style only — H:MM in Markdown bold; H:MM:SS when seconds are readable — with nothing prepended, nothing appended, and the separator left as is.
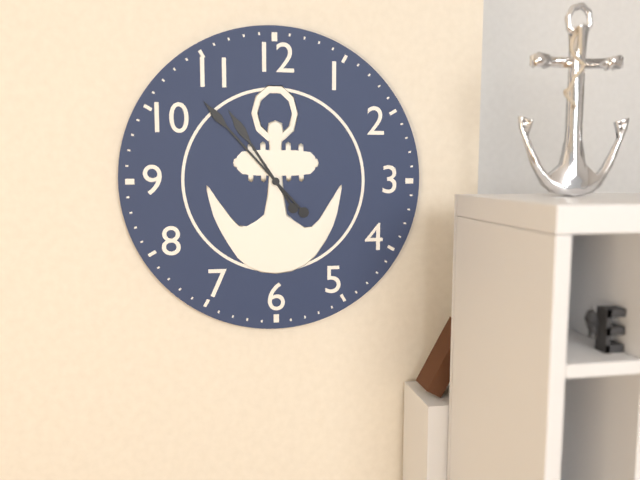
**10:53**
